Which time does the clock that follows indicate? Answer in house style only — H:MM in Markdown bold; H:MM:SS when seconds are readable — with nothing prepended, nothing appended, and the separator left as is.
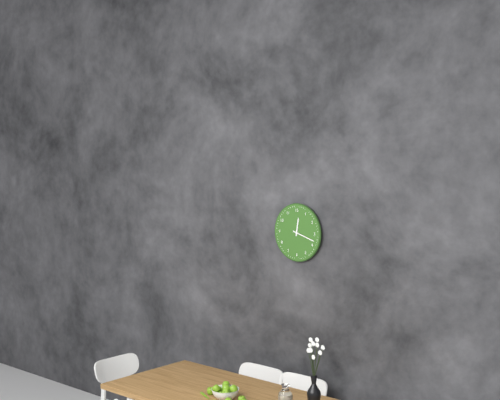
**12:18**
